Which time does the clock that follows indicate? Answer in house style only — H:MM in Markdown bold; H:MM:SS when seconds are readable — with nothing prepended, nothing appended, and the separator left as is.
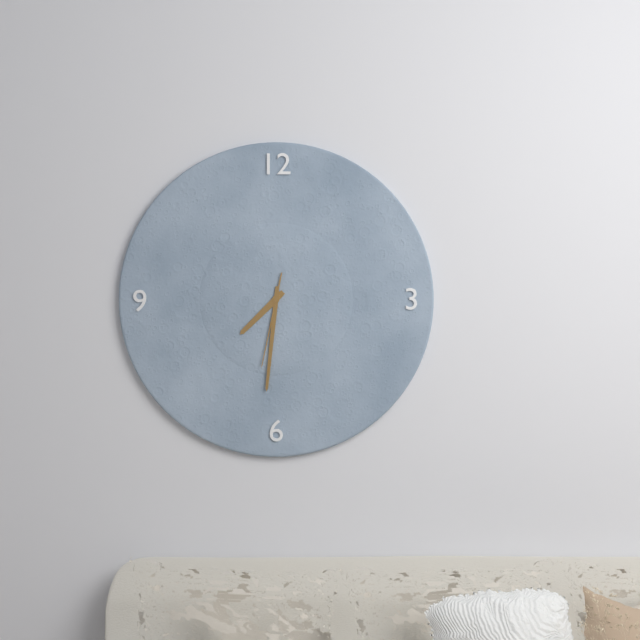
**7:31:32**
